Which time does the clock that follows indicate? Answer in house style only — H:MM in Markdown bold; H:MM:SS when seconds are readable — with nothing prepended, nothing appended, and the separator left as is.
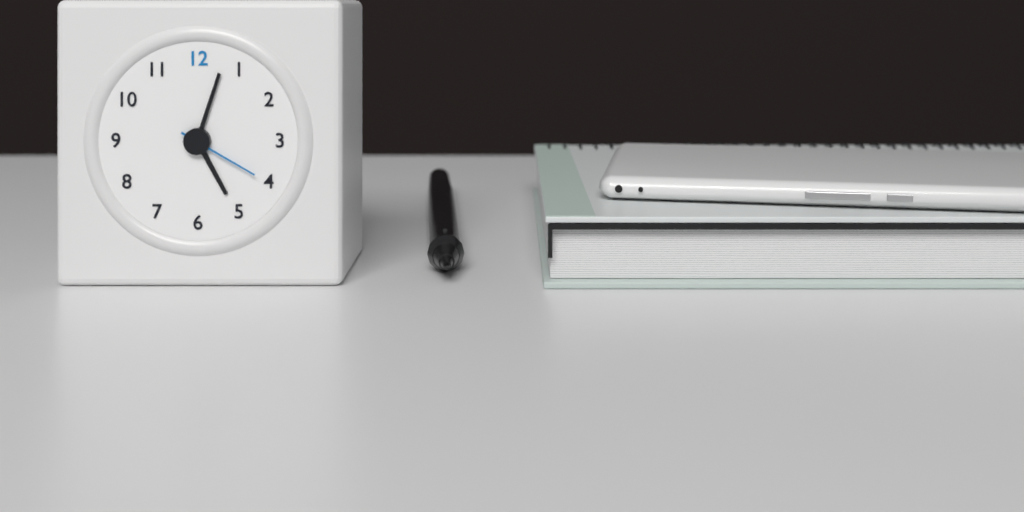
**5:03:20**
